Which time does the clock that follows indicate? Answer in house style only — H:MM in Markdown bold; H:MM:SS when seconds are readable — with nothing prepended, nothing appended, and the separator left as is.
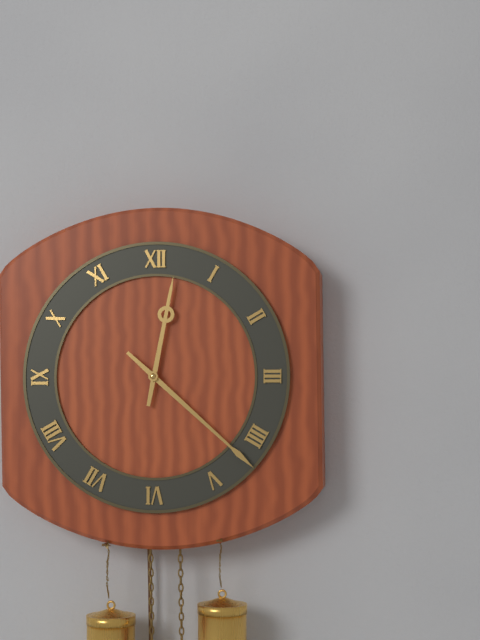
**12:22**
